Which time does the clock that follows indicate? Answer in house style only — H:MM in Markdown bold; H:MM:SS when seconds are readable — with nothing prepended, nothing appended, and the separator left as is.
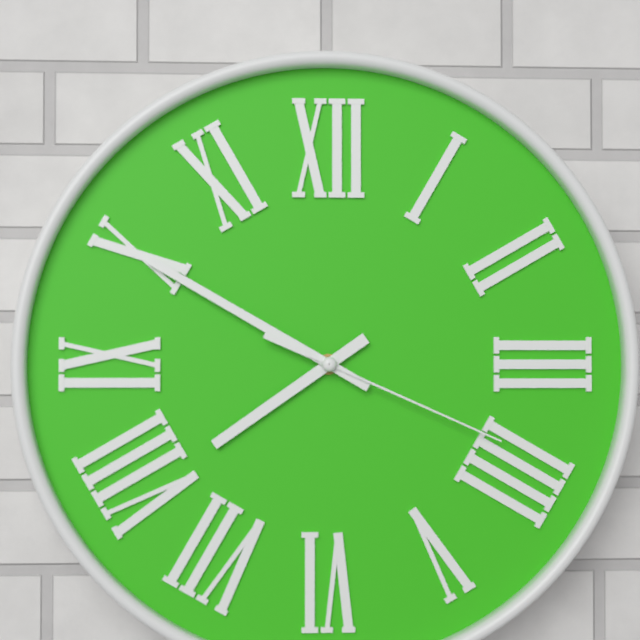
**7:50:19**
